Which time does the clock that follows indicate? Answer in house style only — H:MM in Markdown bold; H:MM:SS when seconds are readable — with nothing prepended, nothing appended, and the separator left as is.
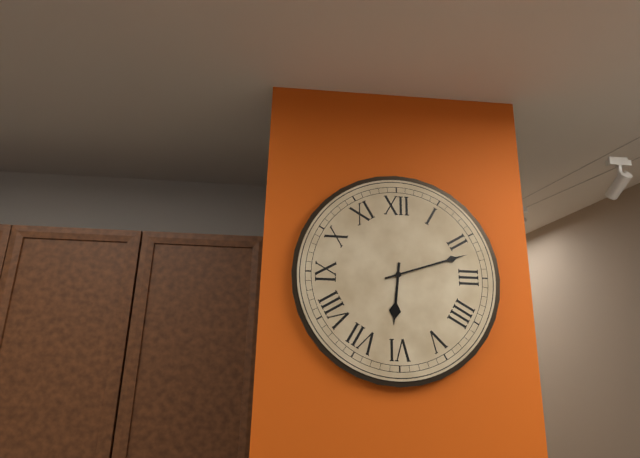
**6:12**
